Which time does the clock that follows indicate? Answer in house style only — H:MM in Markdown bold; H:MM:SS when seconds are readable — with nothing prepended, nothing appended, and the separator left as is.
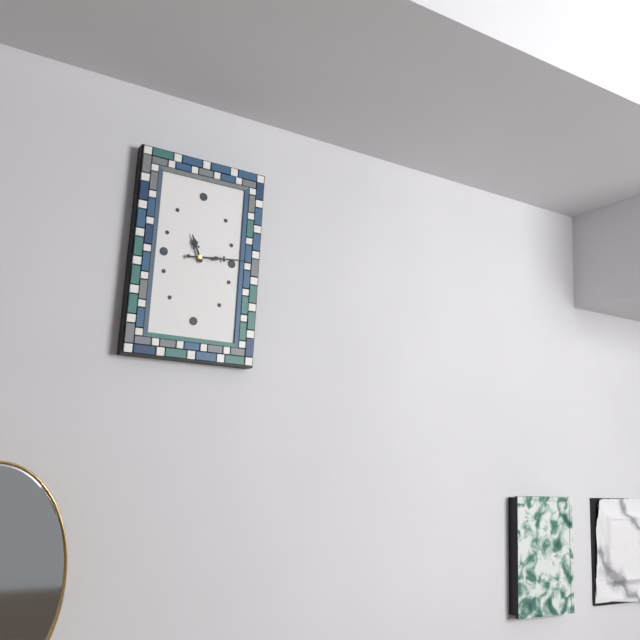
**11:14**
